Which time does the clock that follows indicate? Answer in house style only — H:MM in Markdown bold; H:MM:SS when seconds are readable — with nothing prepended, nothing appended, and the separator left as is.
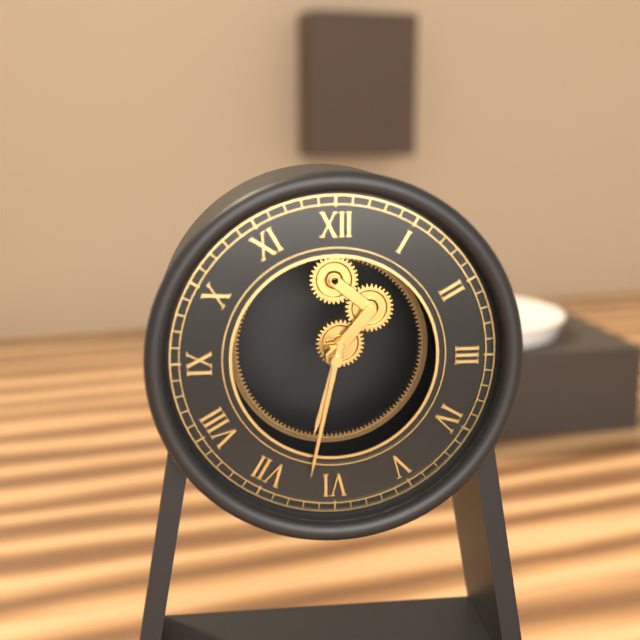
**6:32**
